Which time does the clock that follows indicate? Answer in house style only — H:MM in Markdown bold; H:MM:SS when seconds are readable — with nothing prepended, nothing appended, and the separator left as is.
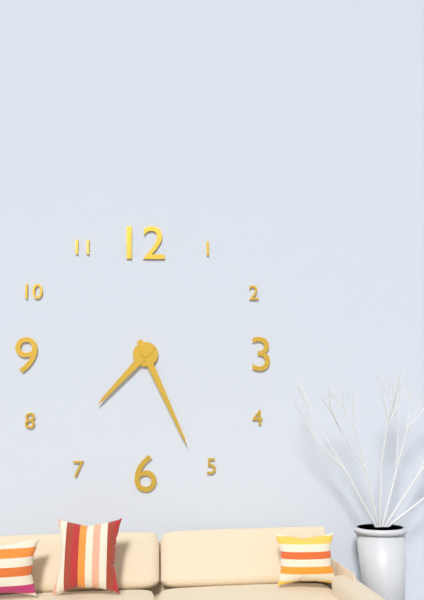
**7:26**
